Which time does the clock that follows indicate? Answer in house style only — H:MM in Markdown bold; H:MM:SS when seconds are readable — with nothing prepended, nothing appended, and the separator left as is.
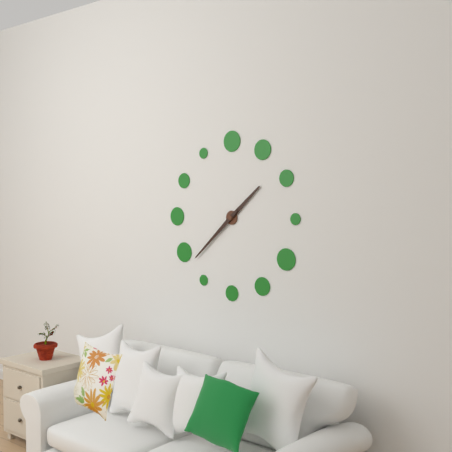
**1:38**
